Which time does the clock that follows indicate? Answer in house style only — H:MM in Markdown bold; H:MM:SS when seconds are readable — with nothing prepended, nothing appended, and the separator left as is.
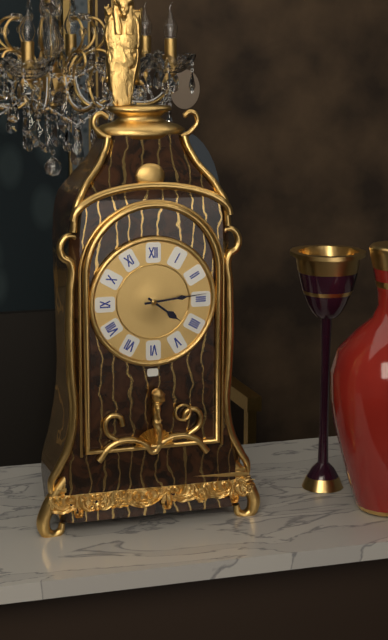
**4:14**
